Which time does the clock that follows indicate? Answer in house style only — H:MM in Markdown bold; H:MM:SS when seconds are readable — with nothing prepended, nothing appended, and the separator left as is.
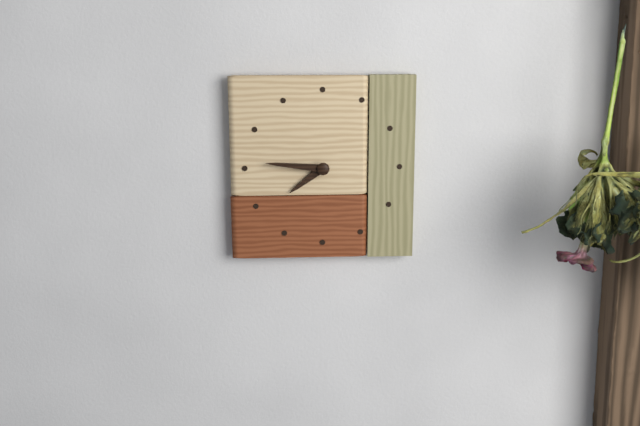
**7:46**
